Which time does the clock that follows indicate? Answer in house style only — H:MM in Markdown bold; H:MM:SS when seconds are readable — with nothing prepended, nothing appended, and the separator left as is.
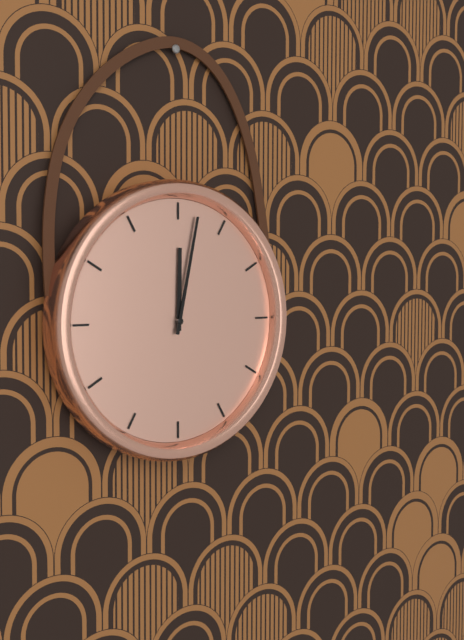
**12:02**
